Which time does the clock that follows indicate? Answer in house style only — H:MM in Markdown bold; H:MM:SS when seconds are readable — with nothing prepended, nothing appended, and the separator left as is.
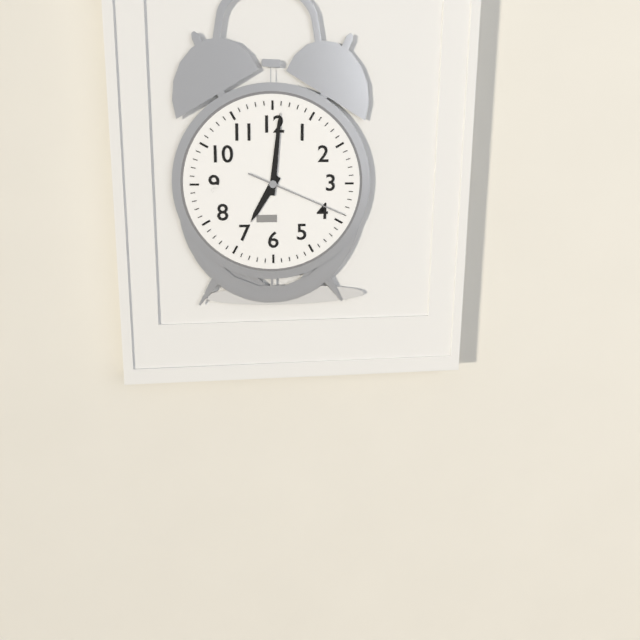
**7:01:19**
